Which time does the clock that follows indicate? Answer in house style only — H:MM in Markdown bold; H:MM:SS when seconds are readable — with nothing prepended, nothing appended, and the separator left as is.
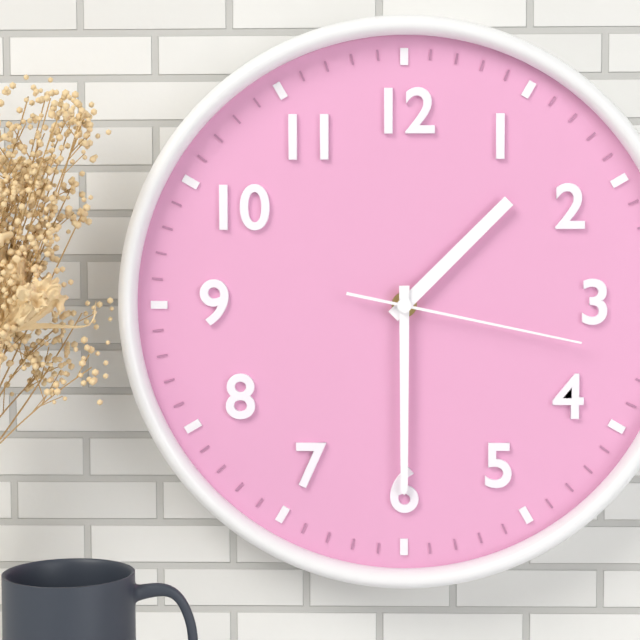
**1:30:17**
